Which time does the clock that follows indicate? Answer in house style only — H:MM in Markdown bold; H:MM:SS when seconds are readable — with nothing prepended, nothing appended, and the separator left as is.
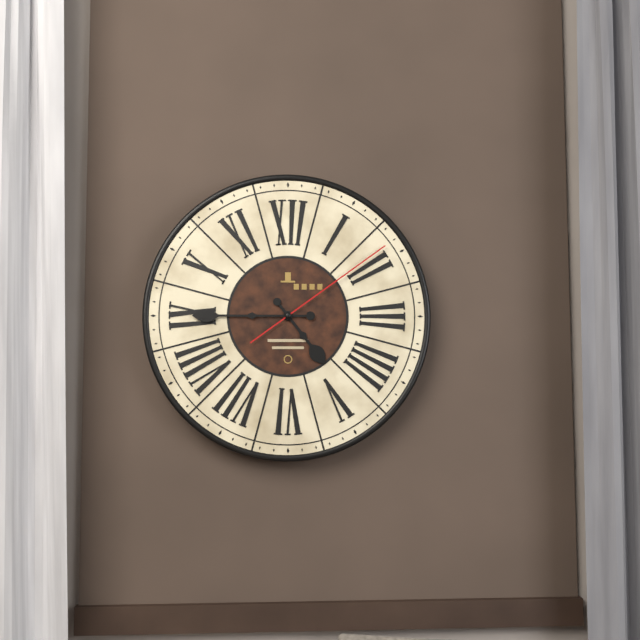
**4:45:09**
